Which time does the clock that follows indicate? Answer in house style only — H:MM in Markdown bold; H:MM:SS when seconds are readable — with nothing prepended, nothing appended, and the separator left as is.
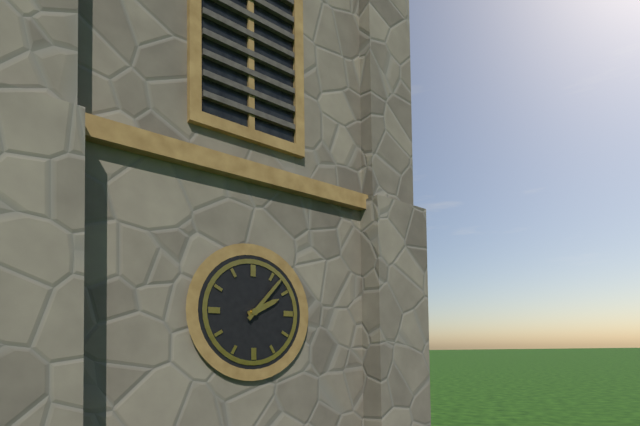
**2:07**
